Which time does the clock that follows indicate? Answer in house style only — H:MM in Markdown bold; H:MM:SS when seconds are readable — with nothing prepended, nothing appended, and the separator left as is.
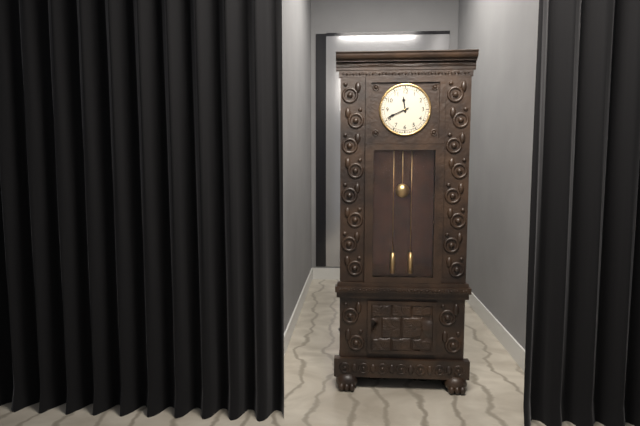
**11:41**
